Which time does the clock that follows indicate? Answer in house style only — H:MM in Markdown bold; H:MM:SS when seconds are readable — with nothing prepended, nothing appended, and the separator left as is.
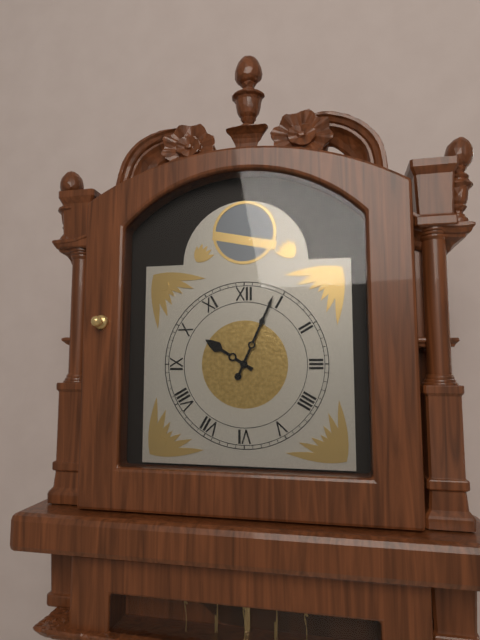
**10:04**
